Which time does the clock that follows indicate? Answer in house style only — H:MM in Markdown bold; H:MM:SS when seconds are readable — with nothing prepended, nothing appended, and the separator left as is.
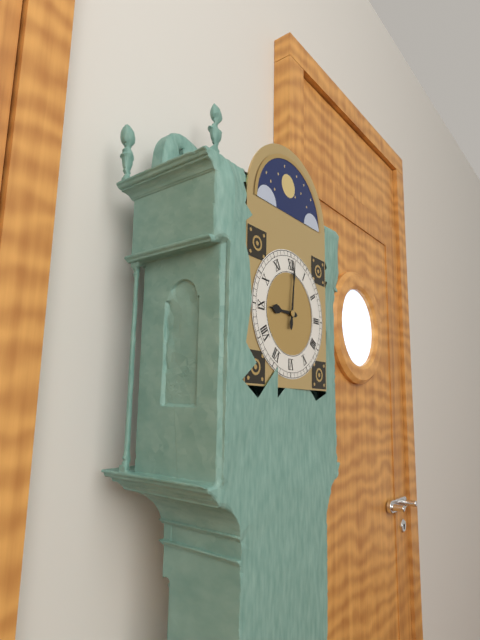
**9:01**
